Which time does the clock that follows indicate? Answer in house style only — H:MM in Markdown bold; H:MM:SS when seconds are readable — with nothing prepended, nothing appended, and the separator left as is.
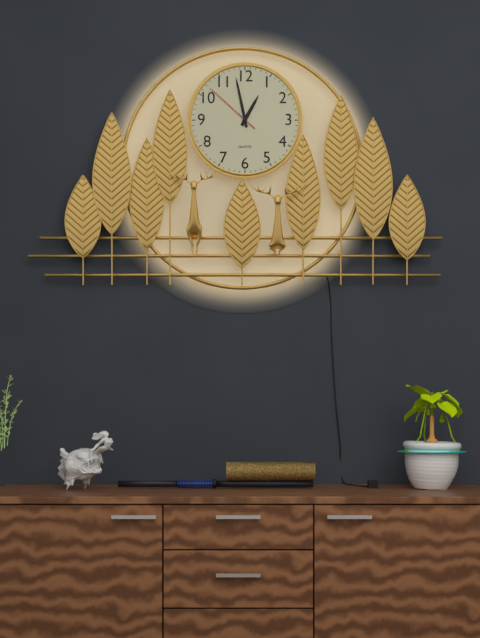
**12:58:52**
